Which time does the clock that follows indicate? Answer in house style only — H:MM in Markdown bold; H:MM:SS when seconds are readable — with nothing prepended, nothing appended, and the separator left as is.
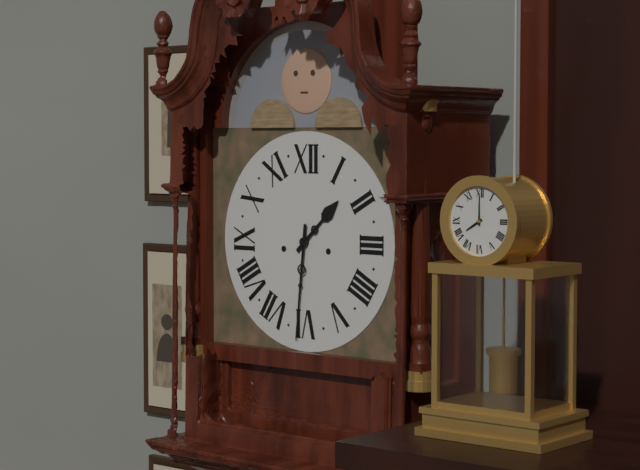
**1:31**
